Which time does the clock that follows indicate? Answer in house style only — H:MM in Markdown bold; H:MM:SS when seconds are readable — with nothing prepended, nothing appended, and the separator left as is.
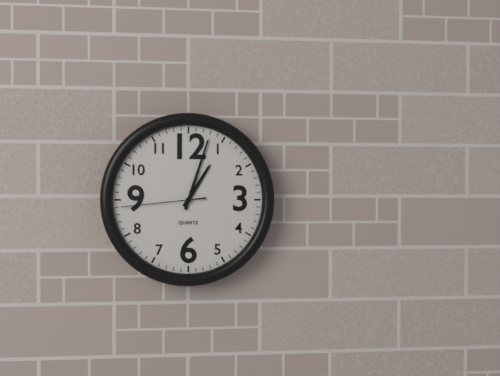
**1:03:44**
